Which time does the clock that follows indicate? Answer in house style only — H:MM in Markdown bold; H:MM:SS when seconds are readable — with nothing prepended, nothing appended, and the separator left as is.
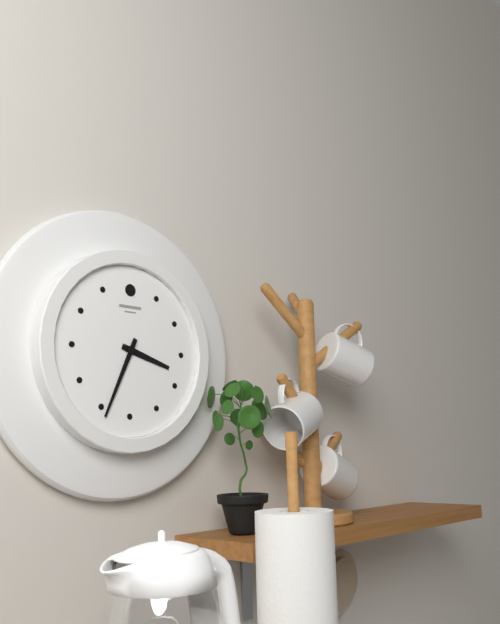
**3:34**
